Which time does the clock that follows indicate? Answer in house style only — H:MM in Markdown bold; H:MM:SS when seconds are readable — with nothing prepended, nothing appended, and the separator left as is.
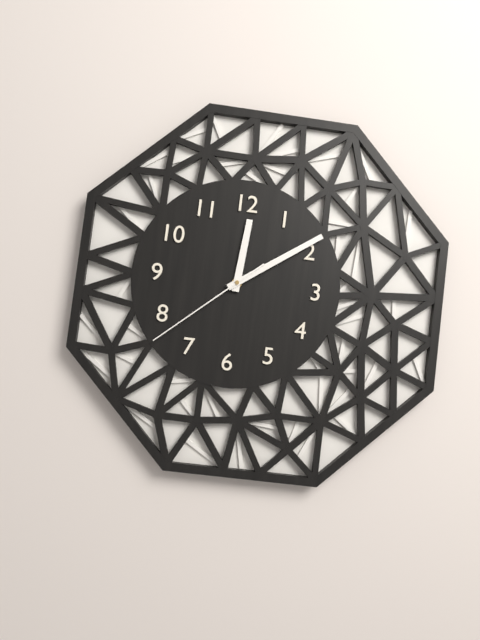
**12:09:38**
